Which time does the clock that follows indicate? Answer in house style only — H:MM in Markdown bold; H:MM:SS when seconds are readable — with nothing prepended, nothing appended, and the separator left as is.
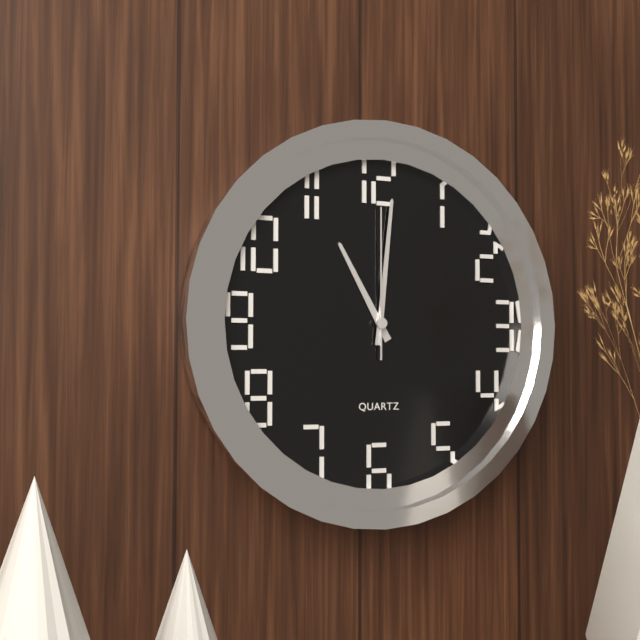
**11:01:00**
